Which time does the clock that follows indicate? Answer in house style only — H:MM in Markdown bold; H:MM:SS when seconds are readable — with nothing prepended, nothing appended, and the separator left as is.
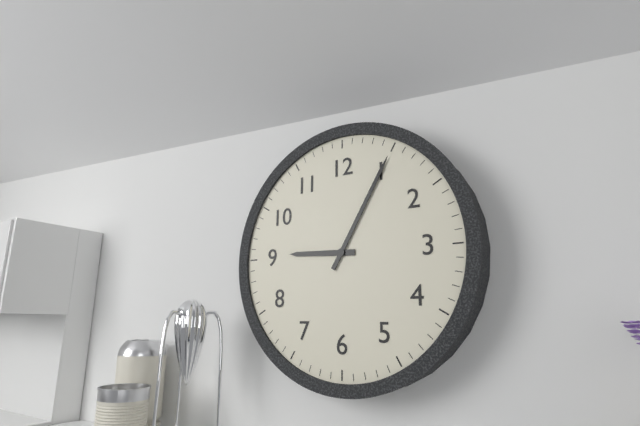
**9:05**
